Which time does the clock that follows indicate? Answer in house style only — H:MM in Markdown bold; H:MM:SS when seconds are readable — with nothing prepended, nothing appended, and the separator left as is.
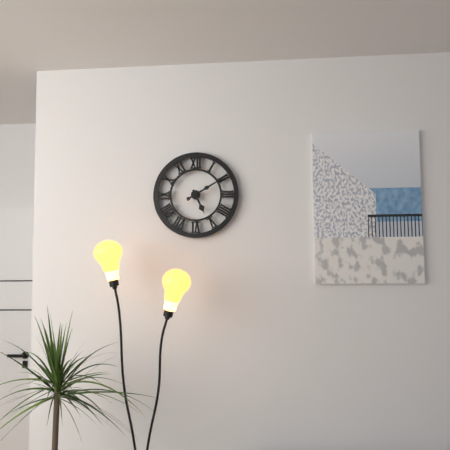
**5:10**
